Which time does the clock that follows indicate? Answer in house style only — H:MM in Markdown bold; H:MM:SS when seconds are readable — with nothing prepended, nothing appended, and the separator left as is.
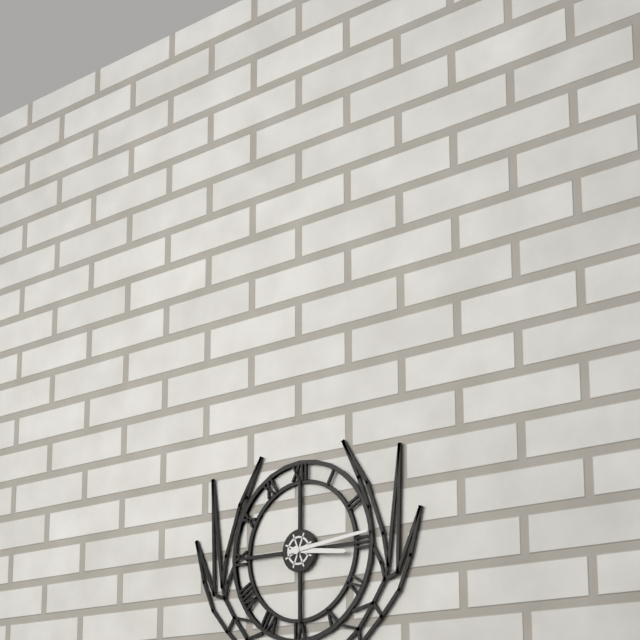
**3:14**
